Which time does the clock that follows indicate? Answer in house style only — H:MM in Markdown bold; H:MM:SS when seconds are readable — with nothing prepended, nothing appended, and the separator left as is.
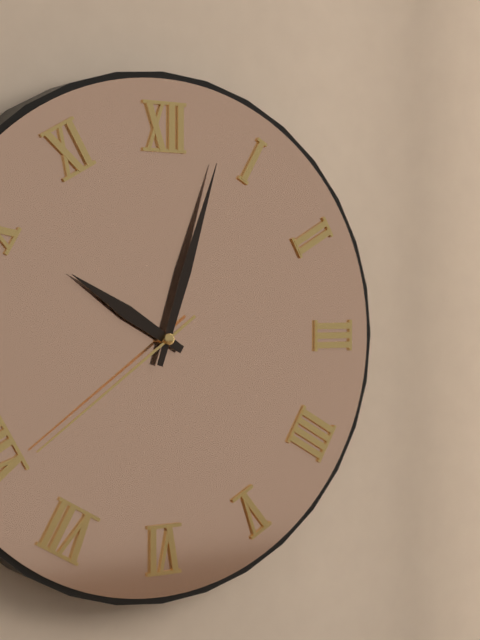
**10:03:39**
